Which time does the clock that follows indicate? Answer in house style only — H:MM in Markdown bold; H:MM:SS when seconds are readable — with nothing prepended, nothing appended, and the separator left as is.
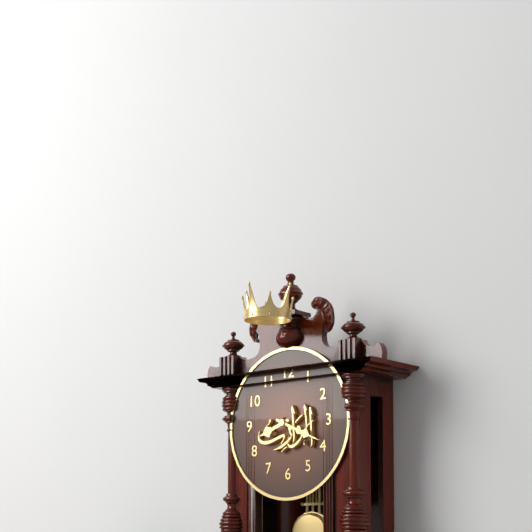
**8:19**
